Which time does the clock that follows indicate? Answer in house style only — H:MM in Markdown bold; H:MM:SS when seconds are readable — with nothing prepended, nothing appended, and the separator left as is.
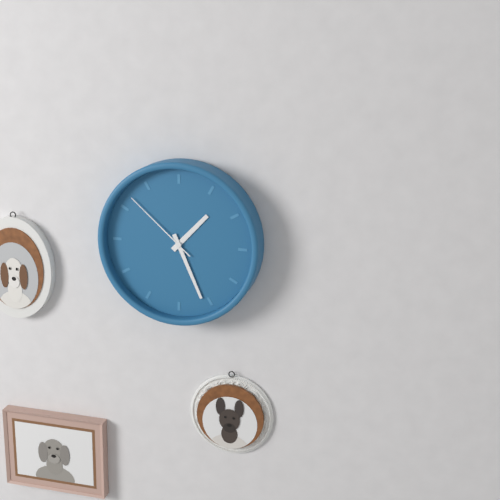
**1:26:52**
